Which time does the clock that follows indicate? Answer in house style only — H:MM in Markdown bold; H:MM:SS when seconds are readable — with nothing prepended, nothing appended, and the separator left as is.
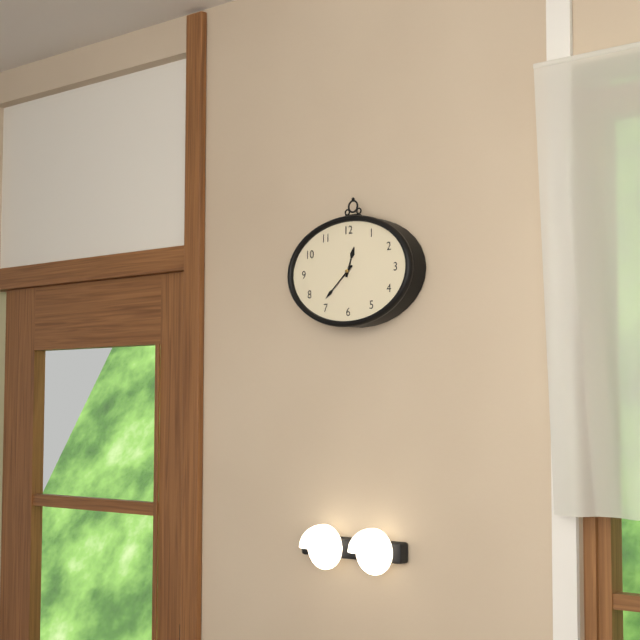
**12:38**
